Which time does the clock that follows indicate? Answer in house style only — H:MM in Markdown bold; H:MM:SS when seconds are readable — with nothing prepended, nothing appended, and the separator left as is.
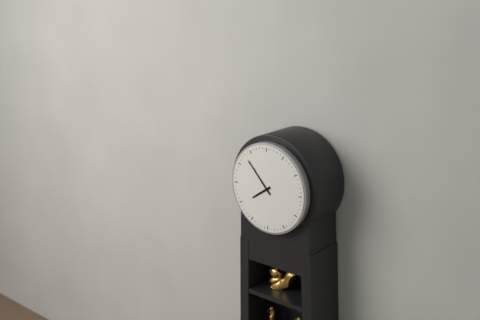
**7:53**
